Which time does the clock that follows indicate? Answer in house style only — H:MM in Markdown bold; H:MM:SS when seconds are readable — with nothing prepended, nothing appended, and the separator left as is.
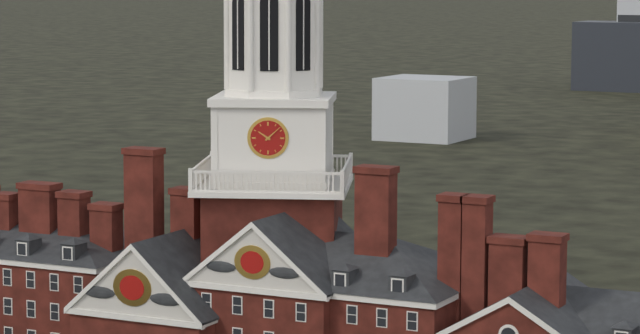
**10:08**
